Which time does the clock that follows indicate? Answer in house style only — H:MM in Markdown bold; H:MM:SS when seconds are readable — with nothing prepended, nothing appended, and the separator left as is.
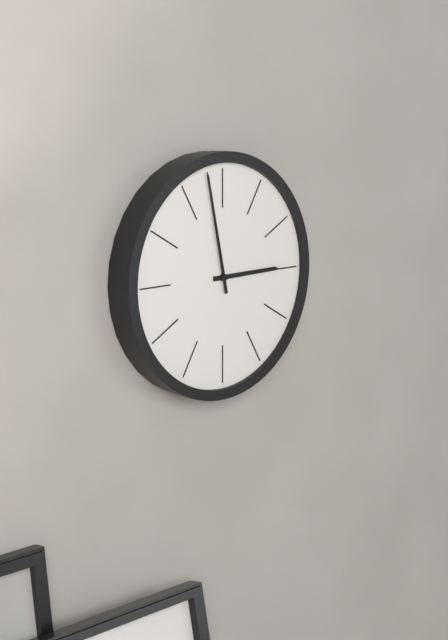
**2:58**
